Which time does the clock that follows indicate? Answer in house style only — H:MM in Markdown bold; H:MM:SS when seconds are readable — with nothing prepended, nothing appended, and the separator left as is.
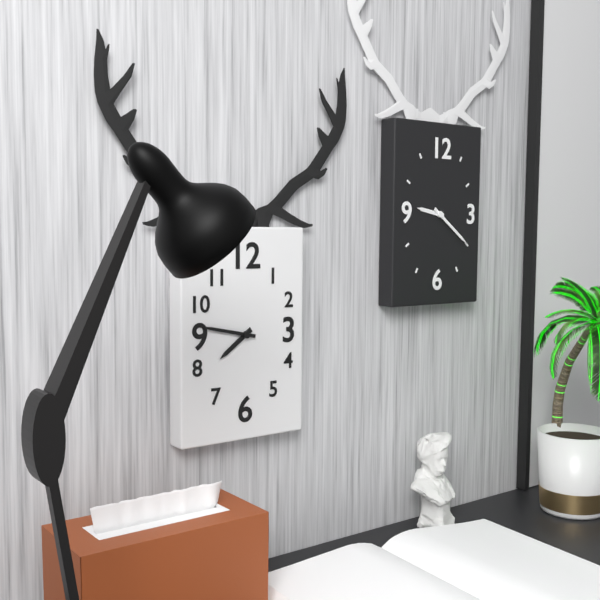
**7:47**
